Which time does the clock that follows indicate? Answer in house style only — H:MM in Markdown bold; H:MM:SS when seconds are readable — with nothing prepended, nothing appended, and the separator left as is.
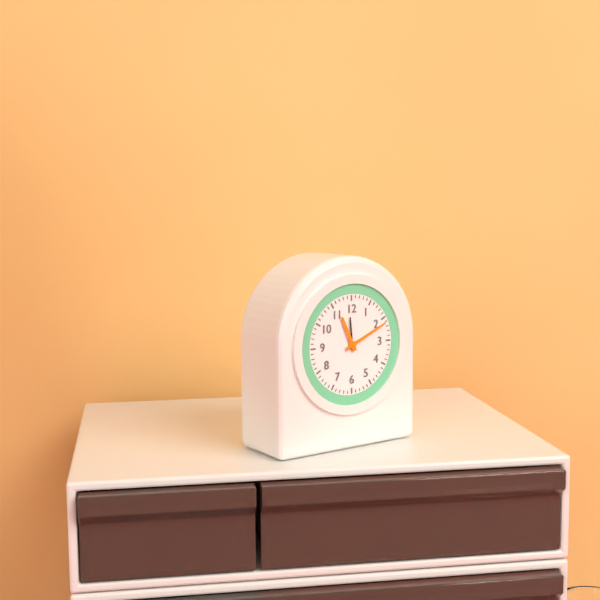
**11:11**
